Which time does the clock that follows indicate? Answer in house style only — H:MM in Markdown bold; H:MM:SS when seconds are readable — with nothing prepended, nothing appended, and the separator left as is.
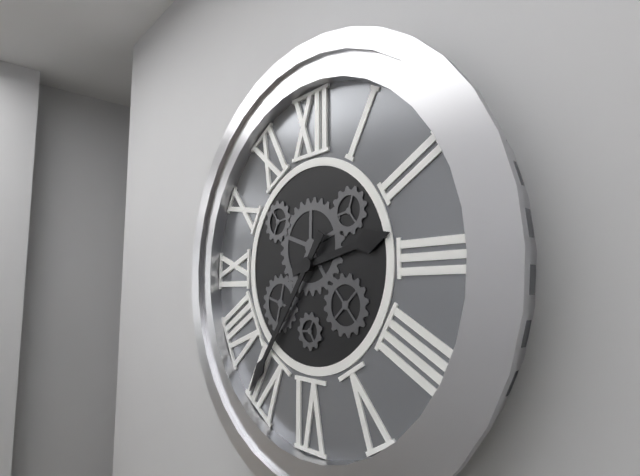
**2:36**
